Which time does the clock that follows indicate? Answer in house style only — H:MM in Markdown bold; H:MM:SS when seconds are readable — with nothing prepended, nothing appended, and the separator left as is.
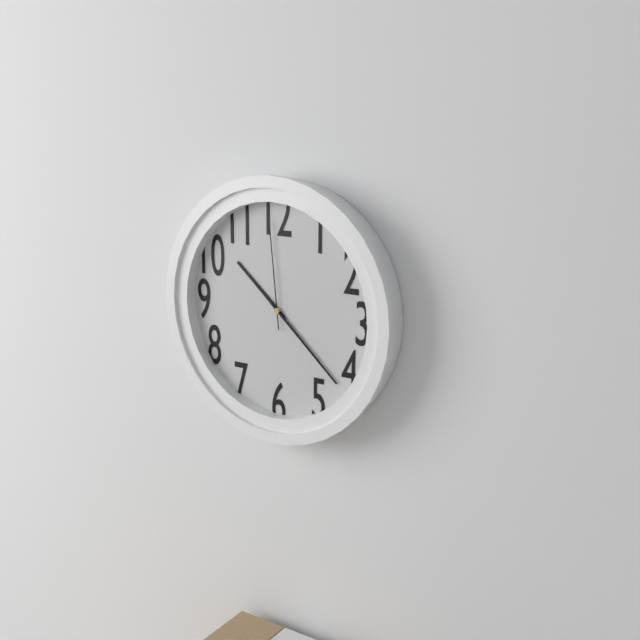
**10:22:59**
